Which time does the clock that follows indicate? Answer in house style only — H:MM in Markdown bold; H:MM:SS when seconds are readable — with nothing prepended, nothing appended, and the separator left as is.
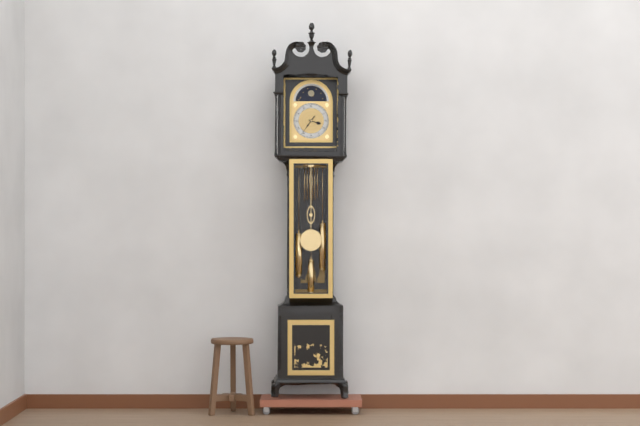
**3:36**
